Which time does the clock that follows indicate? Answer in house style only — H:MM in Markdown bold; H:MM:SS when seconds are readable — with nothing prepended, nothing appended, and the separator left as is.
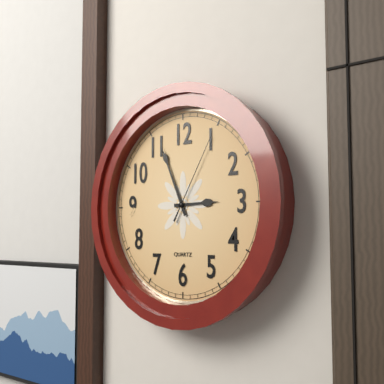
**2:56:05**
